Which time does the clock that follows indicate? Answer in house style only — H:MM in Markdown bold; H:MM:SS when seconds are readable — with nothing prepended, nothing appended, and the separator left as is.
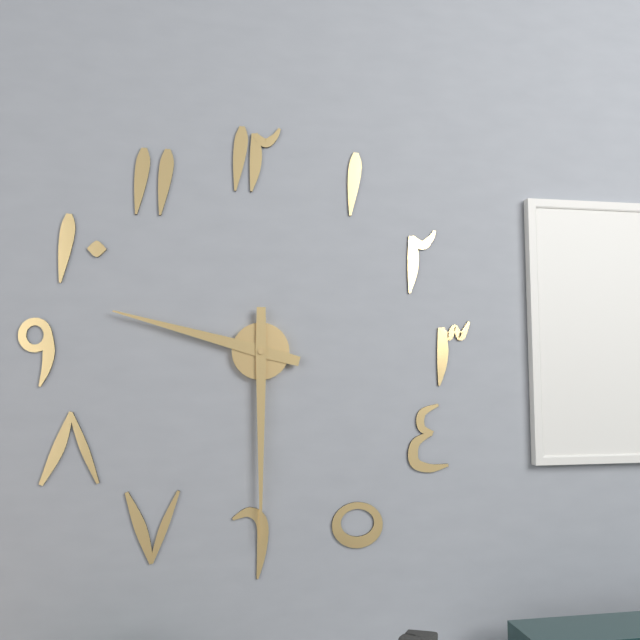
**9:30**
